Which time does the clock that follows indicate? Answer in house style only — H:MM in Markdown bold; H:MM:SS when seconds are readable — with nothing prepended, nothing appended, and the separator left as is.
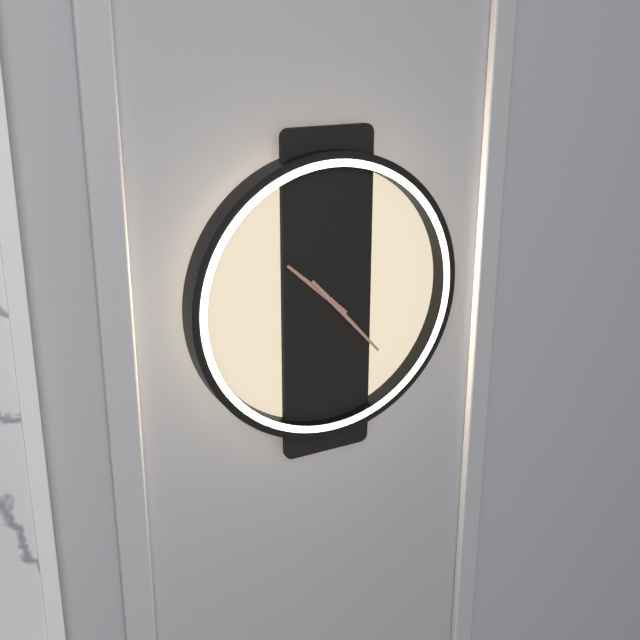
**10:23**
